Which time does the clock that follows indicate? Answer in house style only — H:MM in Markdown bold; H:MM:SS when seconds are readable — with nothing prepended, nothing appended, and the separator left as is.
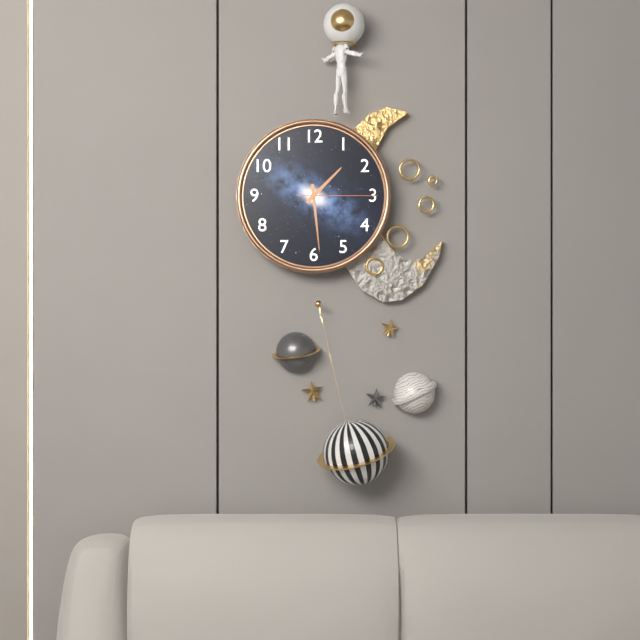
**1:29:15**
